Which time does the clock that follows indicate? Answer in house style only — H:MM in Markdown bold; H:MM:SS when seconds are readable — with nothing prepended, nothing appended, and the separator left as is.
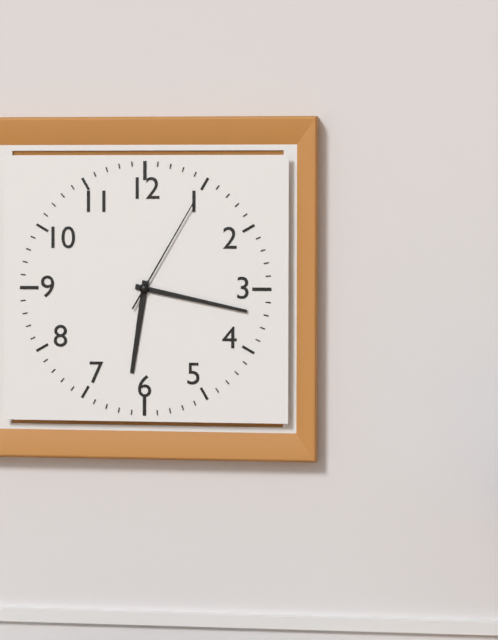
**6:17:05**
